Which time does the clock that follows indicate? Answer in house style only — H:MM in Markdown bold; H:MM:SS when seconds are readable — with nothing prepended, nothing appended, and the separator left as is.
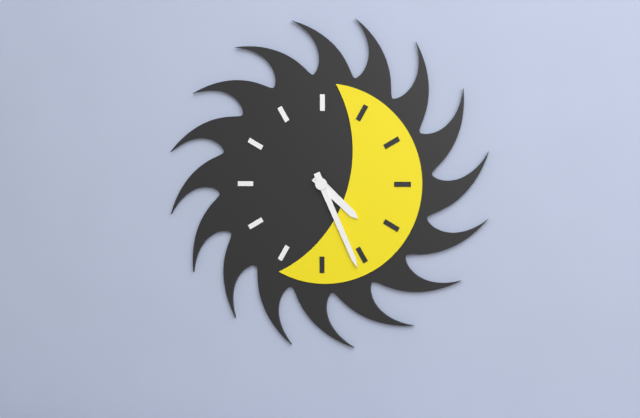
**4:26**
